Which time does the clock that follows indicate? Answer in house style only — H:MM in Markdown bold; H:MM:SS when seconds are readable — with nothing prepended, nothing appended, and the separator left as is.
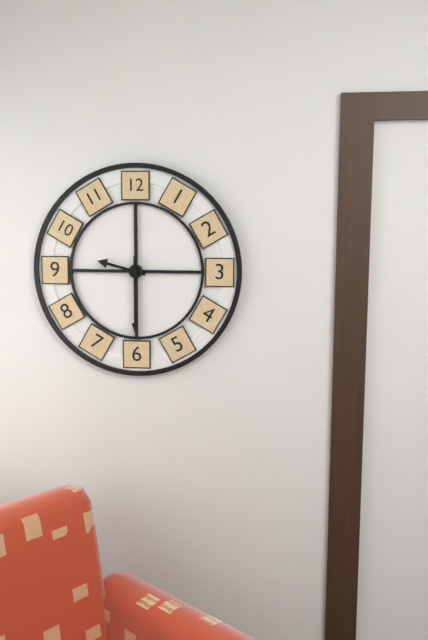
**9:30**
